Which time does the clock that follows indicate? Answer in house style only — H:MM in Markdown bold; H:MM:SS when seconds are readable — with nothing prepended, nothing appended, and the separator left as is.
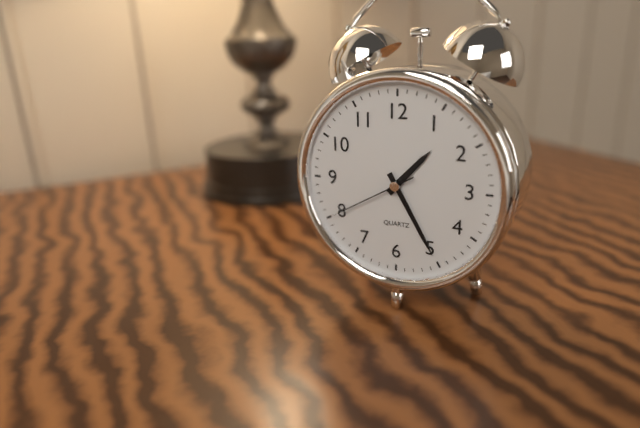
**1:25:40**
